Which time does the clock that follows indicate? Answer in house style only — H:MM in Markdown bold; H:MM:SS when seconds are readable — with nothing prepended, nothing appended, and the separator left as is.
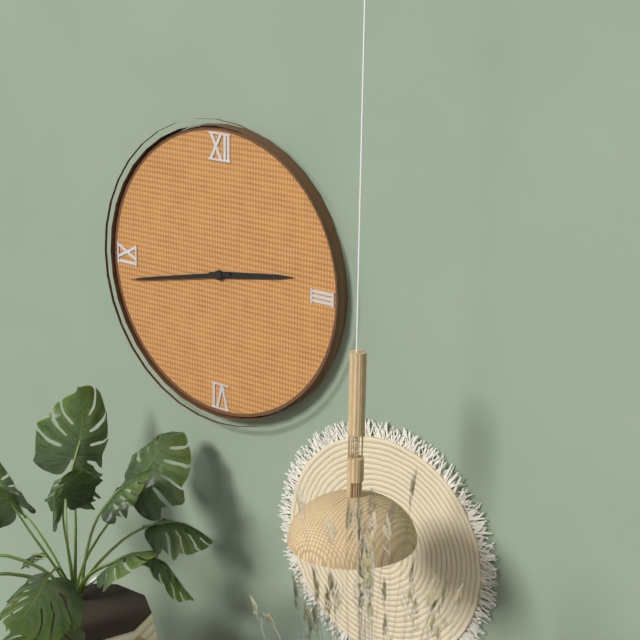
**2:43**
